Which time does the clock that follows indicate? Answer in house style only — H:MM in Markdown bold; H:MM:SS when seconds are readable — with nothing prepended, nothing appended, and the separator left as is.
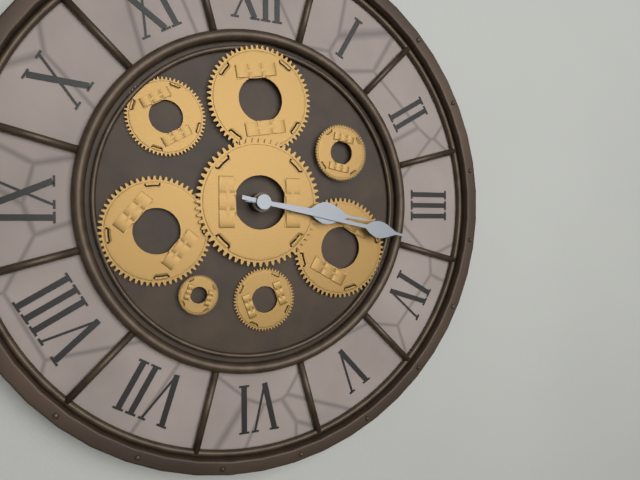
**3:17**
